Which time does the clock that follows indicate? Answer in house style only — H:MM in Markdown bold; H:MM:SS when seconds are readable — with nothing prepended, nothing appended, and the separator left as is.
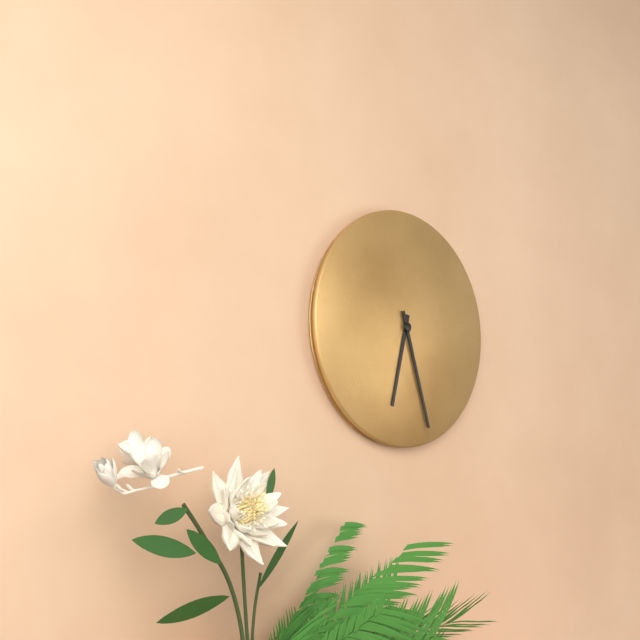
**6:27**
